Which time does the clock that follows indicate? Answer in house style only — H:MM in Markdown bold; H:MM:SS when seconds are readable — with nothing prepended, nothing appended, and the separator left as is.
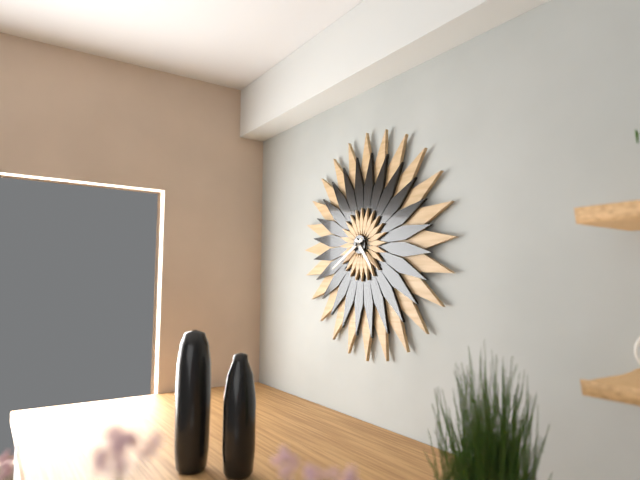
**4:40**
